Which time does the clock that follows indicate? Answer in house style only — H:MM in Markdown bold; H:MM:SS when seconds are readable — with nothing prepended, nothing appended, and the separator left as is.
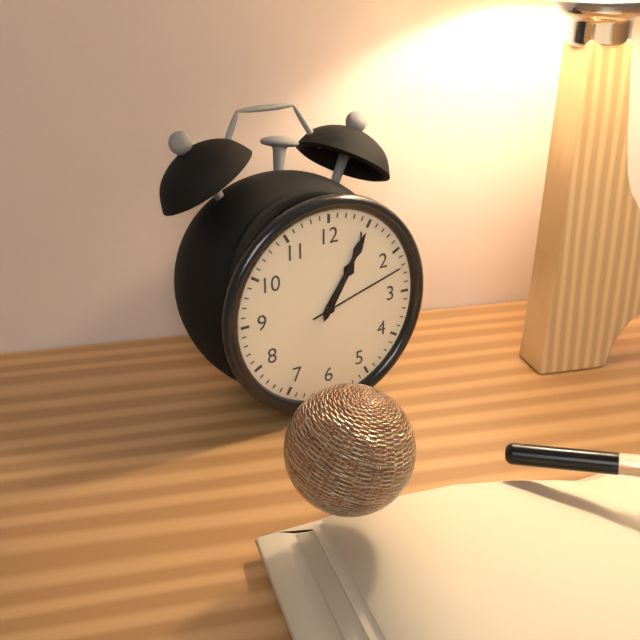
**1:05:12**
